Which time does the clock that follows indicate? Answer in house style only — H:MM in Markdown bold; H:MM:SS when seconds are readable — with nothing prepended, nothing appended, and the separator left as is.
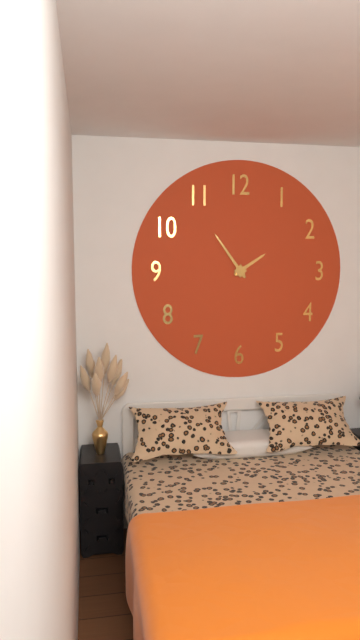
**1:54**
